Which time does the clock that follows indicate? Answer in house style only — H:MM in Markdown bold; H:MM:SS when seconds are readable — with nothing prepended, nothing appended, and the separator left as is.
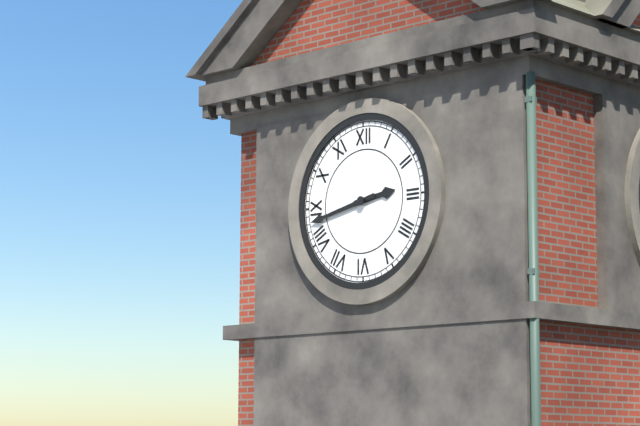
**2:43**
